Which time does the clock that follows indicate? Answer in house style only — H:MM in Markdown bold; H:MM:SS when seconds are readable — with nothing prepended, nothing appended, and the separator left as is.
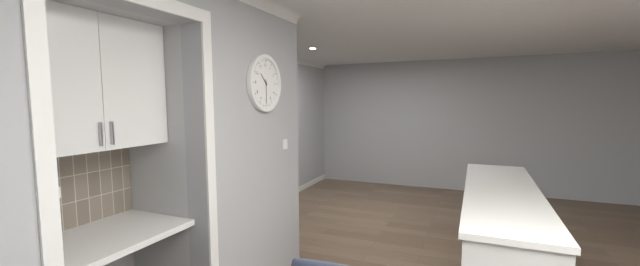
**10:30**
